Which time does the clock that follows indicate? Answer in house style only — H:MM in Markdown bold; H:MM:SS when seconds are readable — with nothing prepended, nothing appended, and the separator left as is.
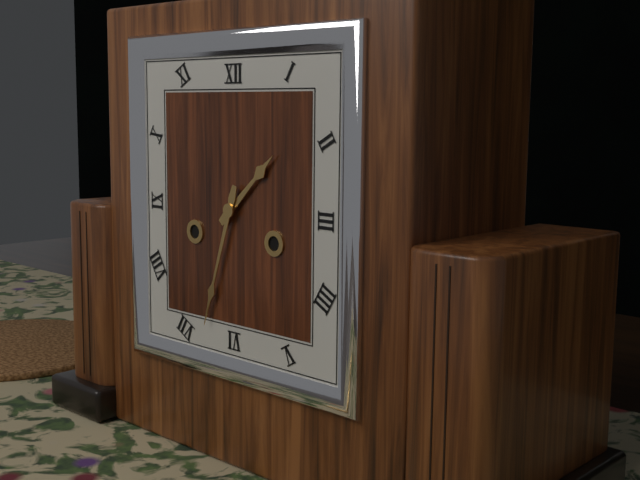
**1:33**
